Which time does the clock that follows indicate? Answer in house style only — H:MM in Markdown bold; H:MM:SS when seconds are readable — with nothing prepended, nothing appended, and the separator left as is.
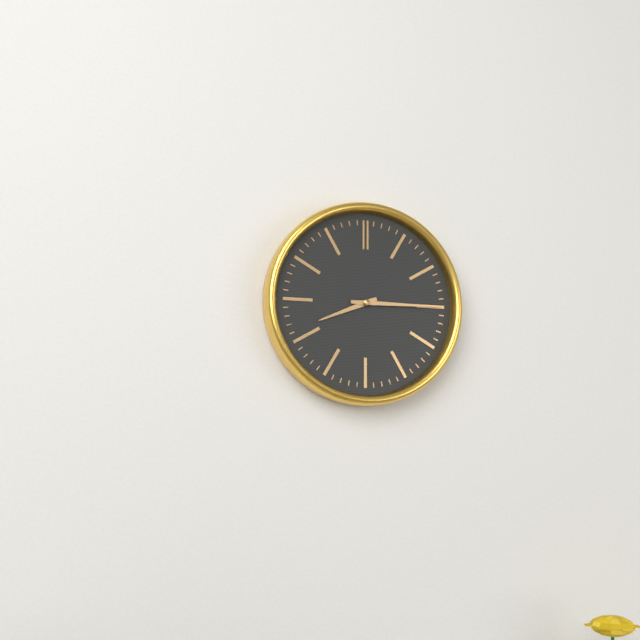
**8:15**
